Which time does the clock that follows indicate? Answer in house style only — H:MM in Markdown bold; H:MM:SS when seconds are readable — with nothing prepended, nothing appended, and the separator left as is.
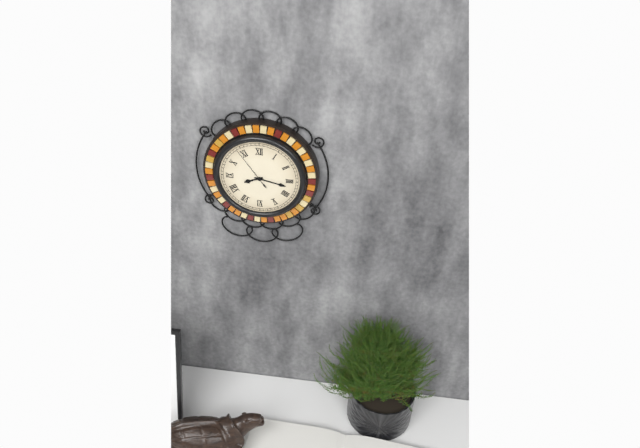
**8:17**
